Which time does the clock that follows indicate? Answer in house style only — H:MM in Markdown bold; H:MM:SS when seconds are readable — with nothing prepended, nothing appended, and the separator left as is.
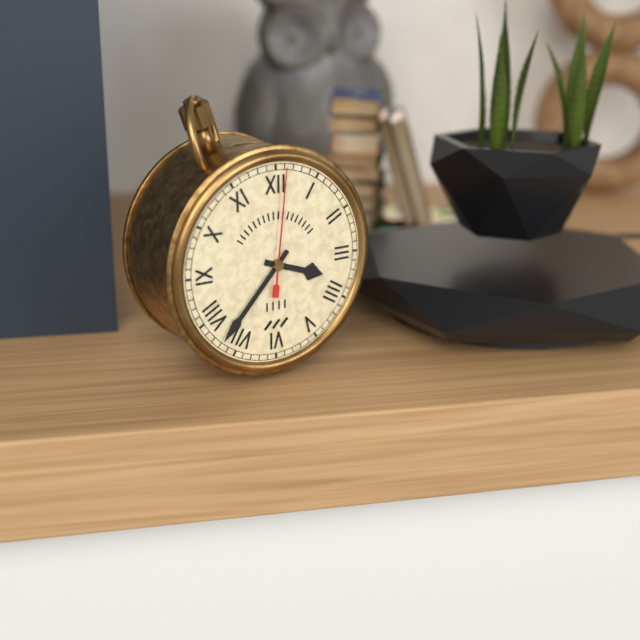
**3:37:01**
